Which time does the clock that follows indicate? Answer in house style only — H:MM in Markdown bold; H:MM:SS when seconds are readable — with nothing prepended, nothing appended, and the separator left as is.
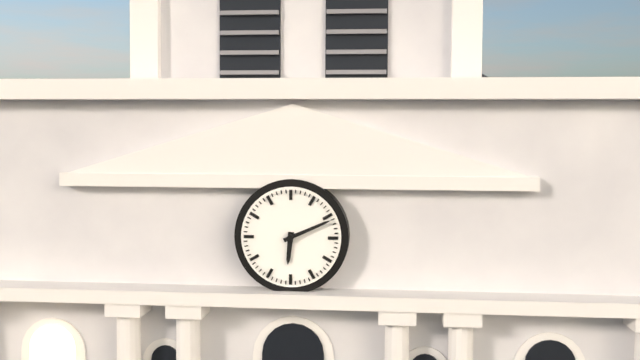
**6:11**
